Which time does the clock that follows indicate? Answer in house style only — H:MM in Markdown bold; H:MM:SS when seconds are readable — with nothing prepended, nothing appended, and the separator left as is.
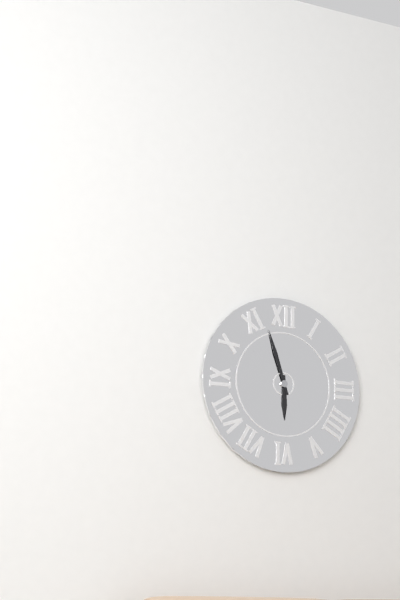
**5:57**
